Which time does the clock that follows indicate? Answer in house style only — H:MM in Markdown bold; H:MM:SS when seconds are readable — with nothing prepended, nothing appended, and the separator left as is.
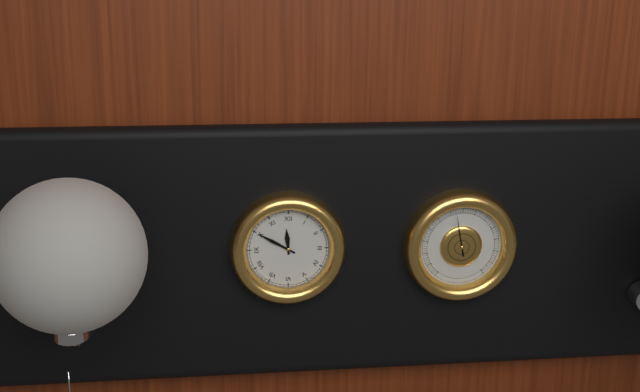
**11:50**
